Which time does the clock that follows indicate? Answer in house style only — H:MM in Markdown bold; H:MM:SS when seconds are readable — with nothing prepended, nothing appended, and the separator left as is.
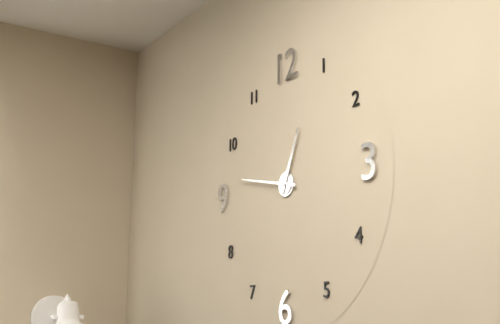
**12:47**
